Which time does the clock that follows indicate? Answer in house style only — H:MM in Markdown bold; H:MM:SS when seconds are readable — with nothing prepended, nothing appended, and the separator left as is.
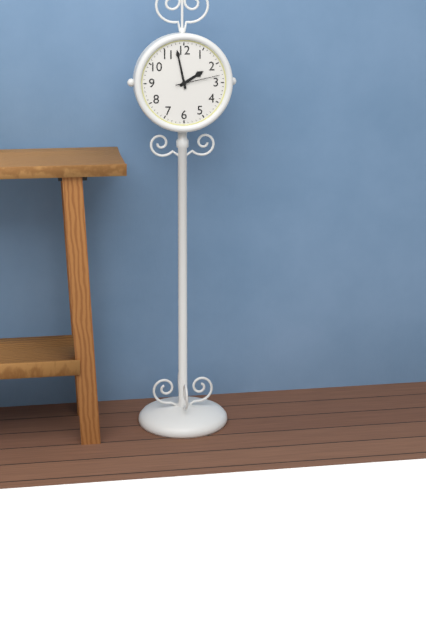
**1:58**
